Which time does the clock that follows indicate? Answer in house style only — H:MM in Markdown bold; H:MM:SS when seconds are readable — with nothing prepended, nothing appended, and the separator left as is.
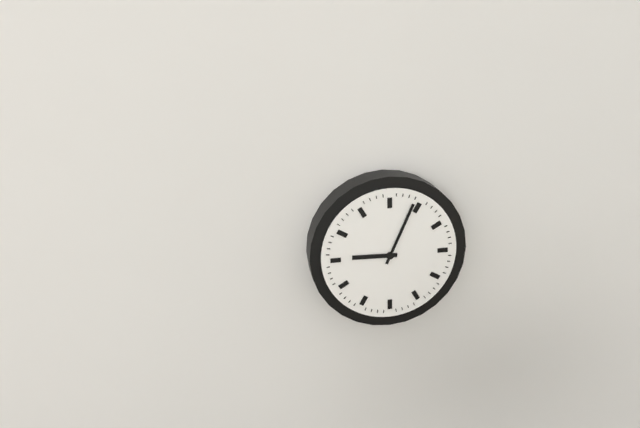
**9:04**
